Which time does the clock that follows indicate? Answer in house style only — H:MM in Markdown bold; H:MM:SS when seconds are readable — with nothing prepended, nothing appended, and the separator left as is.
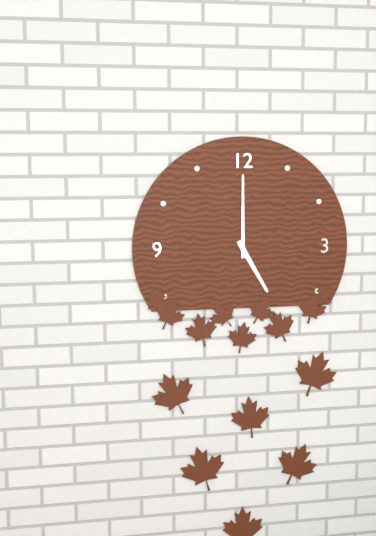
**5:00**
